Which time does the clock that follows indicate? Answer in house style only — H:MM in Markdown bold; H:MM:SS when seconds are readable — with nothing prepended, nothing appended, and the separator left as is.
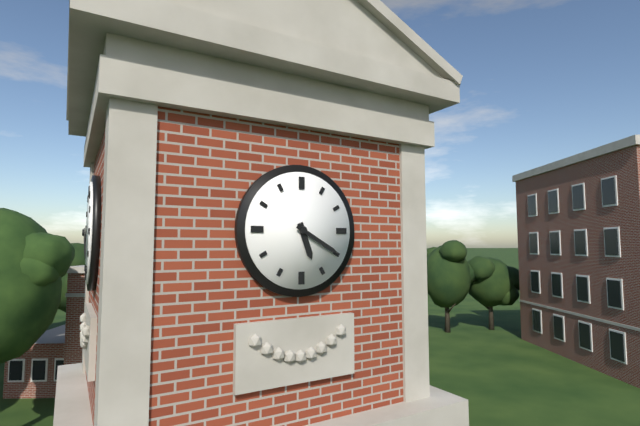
**5:20**
